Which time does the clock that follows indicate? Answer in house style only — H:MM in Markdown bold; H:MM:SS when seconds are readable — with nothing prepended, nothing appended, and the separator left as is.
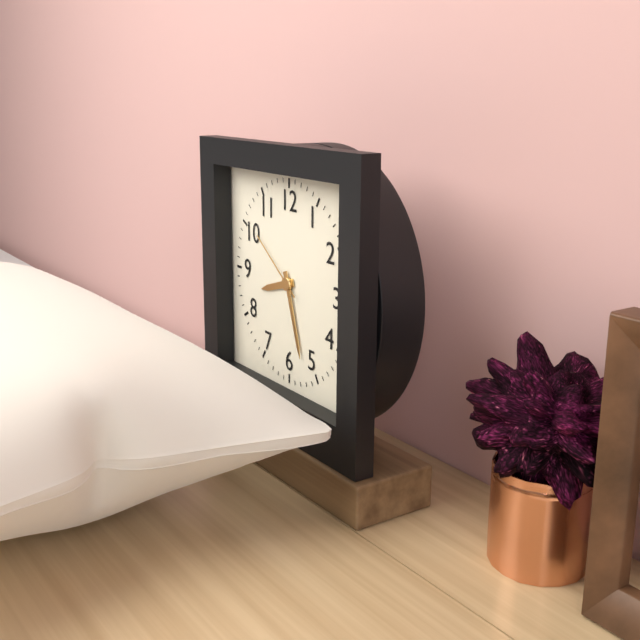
**8:27:51**
